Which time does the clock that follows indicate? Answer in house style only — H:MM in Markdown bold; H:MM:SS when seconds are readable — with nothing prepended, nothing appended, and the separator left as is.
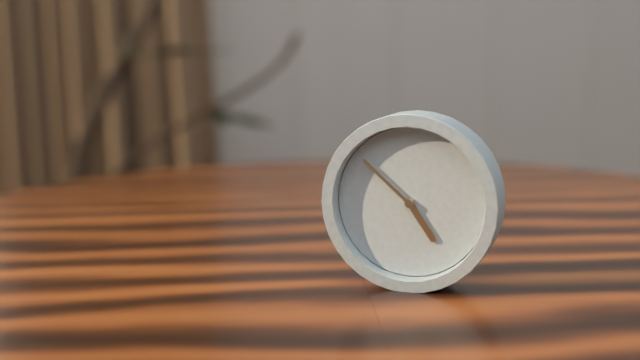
**4:52**
